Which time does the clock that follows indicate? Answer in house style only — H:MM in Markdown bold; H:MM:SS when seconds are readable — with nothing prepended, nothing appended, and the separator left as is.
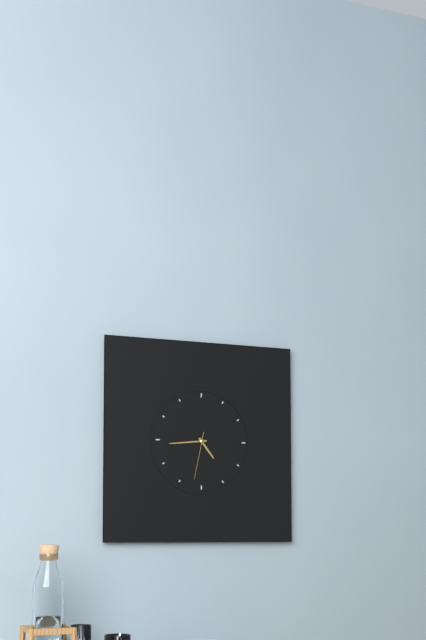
**4:44**
